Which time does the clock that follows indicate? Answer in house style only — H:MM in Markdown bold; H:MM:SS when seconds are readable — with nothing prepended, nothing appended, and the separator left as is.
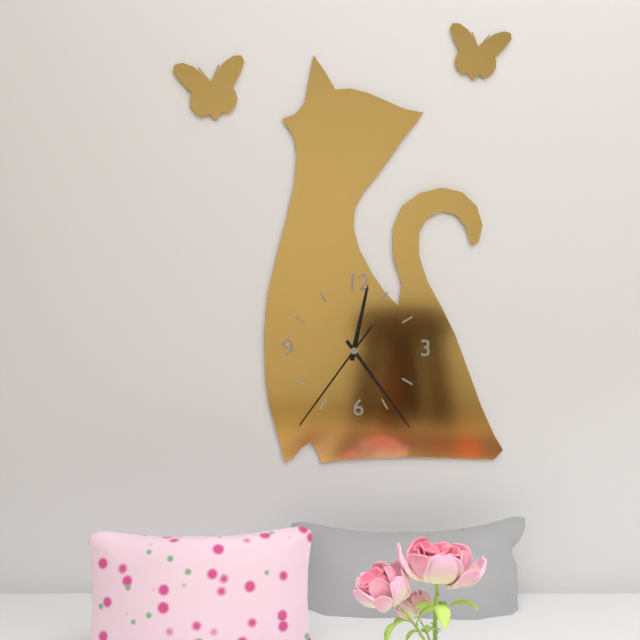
**12:24:36**
